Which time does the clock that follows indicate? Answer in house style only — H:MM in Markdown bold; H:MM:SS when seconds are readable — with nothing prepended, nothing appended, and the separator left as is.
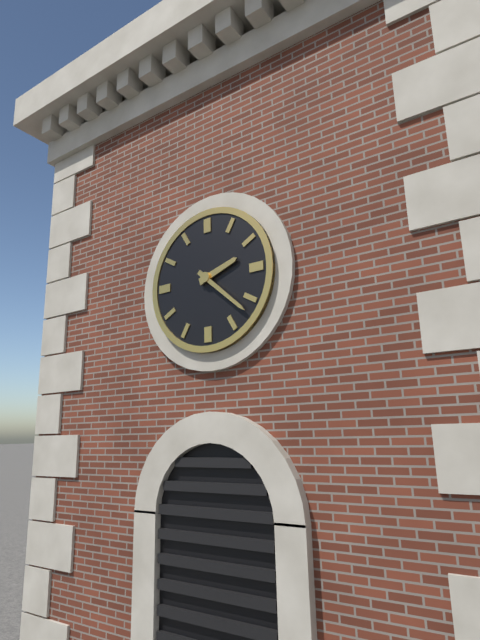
**2:22**
